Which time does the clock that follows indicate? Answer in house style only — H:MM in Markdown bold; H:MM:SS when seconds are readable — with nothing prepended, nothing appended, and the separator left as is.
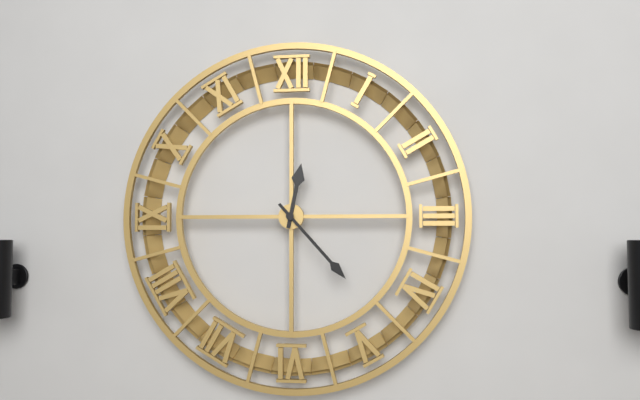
**12:23**
